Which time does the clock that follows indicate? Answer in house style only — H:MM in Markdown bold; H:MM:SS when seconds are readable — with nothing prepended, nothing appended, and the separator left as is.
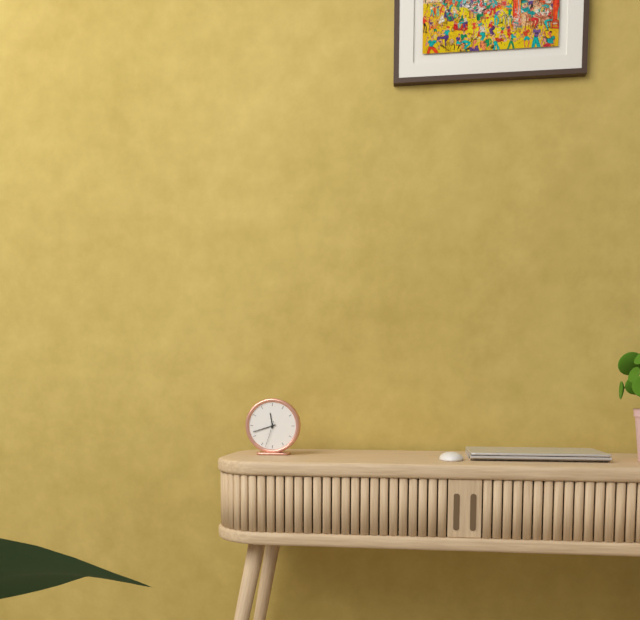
**11:42**
